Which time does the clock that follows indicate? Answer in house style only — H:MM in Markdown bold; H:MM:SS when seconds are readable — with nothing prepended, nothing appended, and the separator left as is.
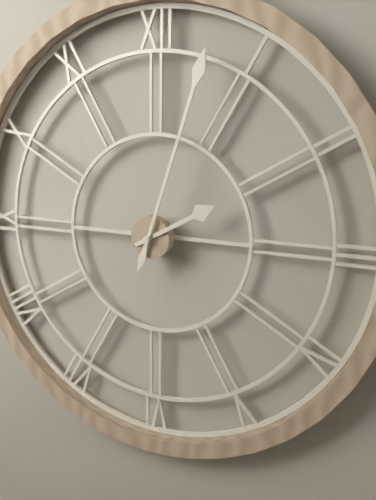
**2:03**
